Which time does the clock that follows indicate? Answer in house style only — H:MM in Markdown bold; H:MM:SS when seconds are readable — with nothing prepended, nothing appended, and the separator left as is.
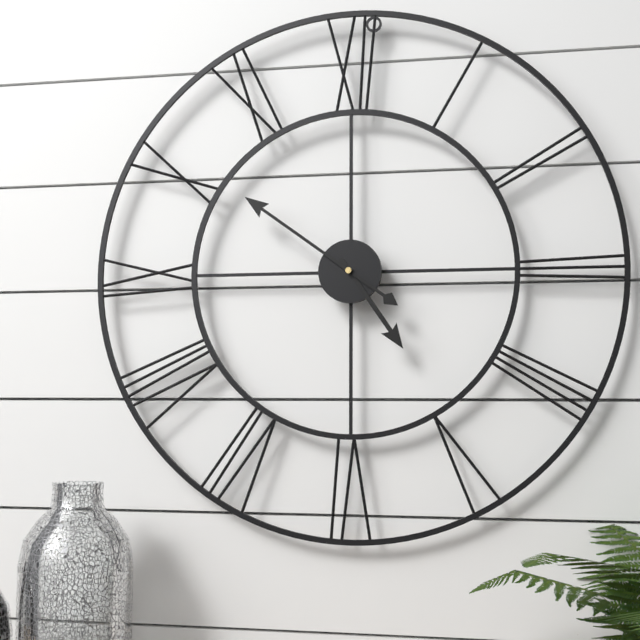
**4:51**
